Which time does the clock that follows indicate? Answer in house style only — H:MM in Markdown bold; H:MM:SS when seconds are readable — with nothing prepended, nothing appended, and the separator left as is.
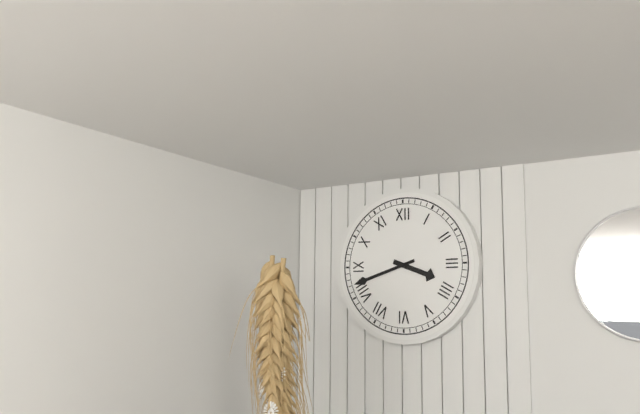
**3:42**
